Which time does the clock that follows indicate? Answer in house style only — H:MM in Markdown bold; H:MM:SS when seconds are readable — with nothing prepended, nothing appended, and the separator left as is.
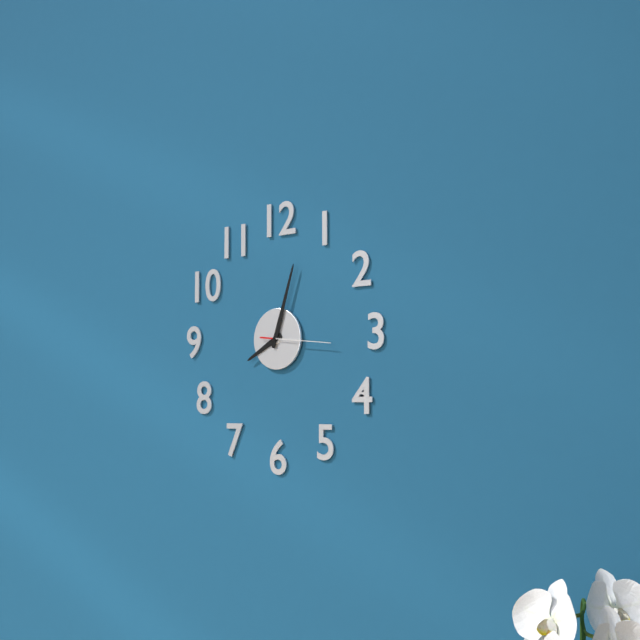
**8:03:16**
